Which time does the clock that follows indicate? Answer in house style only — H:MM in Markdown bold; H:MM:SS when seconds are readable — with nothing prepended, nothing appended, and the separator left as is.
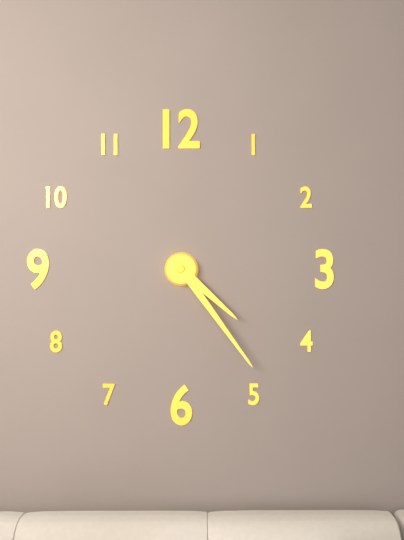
**4:24**
